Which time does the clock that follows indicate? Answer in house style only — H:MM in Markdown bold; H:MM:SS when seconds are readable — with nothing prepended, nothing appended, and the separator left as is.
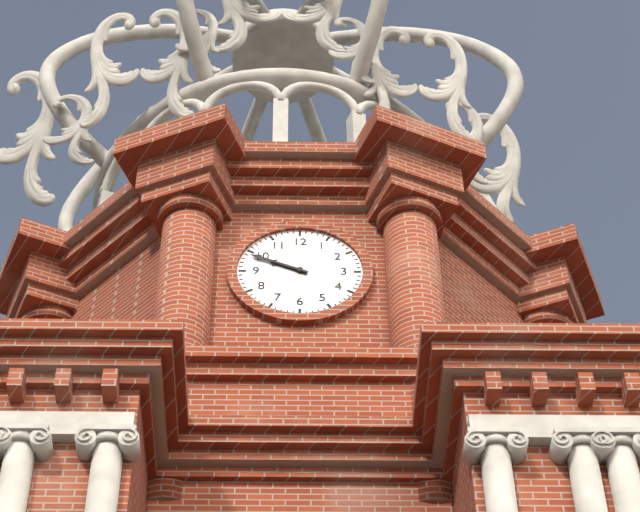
**9:49**
